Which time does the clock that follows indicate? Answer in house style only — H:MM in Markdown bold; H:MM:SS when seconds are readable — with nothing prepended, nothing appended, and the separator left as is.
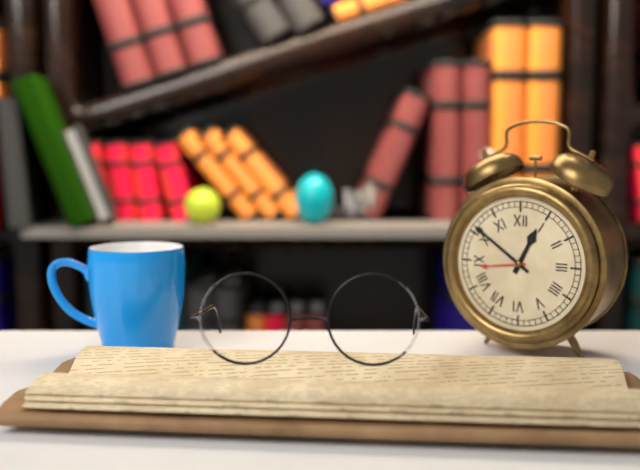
**12:51**
